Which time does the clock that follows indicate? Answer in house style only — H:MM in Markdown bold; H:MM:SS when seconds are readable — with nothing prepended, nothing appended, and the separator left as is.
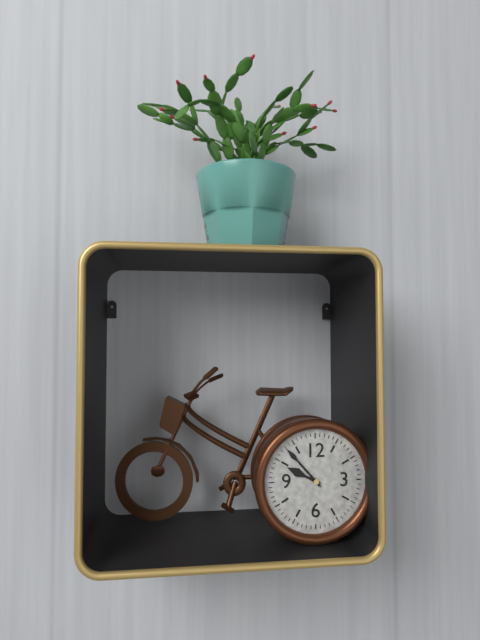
**9:53**
